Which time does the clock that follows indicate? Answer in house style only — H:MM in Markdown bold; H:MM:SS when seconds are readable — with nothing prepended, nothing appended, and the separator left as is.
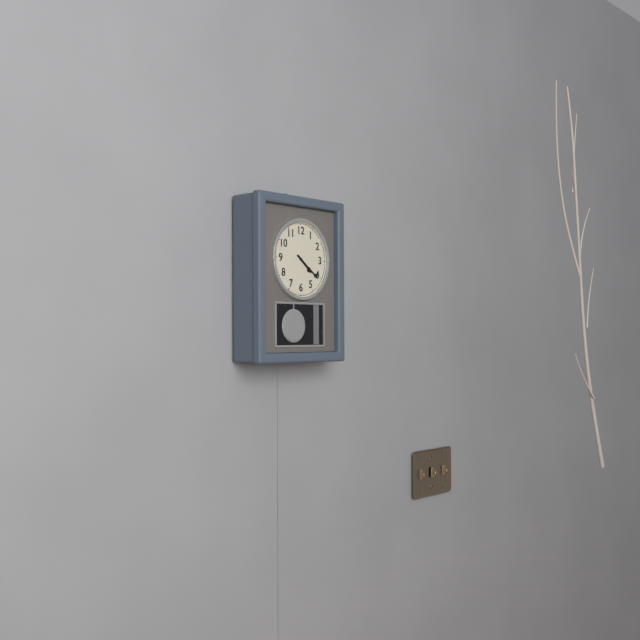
**4:21**
